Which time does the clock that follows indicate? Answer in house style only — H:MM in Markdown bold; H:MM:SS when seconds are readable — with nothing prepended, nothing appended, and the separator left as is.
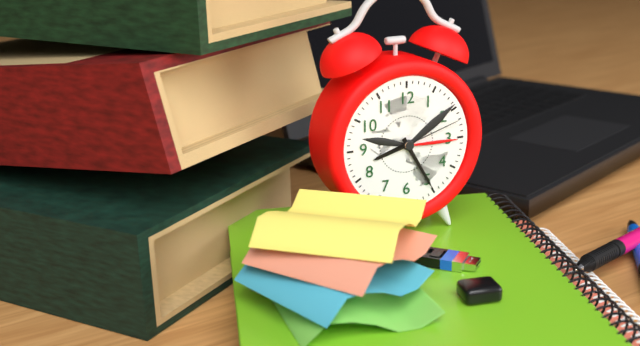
**8:25:12**
